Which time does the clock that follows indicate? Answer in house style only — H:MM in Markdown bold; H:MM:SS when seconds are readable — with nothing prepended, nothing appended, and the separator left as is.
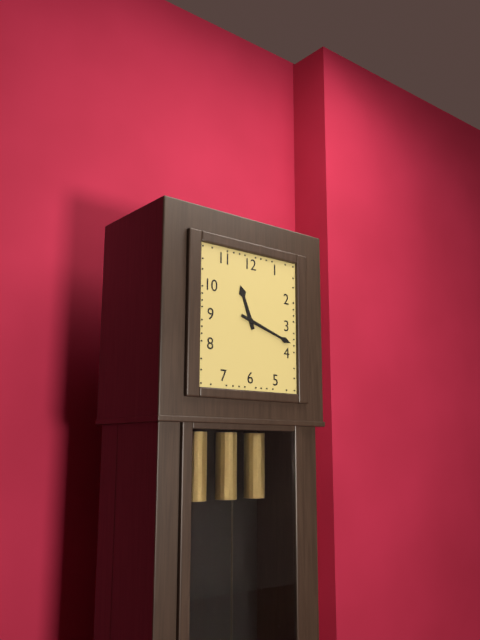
**11:18**
